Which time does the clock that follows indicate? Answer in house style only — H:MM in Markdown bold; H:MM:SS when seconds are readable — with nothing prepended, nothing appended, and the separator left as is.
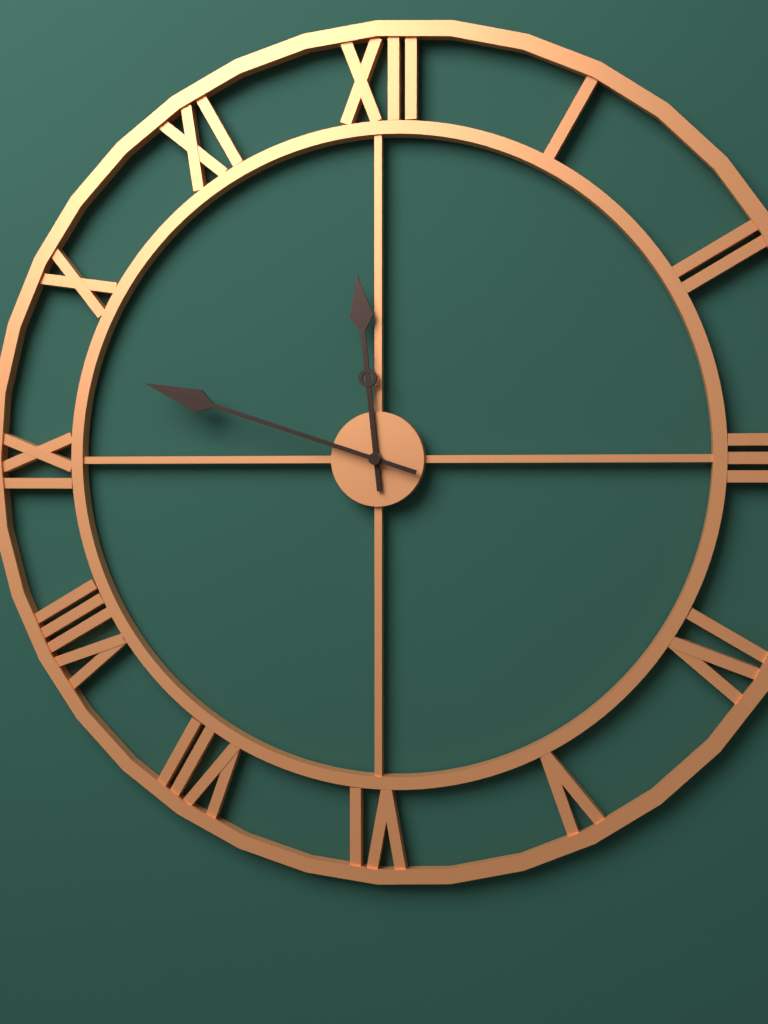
**11:48**
